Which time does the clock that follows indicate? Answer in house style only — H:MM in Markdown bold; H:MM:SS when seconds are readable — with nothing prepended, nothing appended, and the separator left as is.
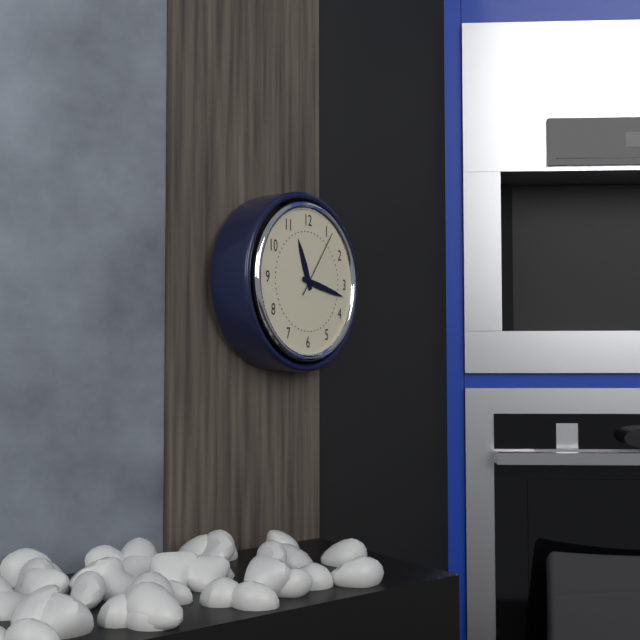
**11:17:06**
